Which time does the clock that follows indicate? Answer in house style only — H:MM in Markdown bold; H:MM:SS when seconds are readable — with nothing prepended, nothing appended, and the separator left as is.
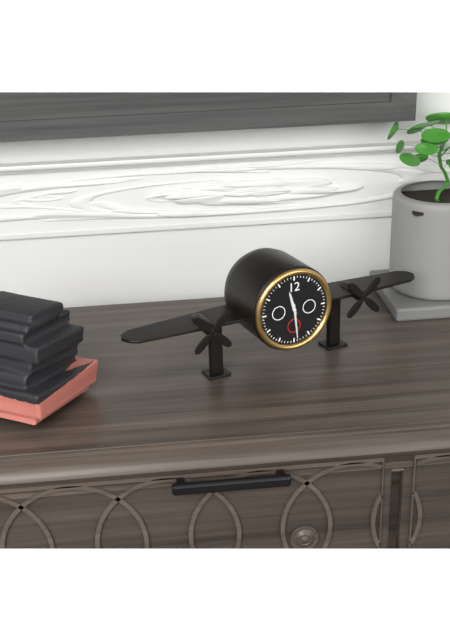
**11:29**
